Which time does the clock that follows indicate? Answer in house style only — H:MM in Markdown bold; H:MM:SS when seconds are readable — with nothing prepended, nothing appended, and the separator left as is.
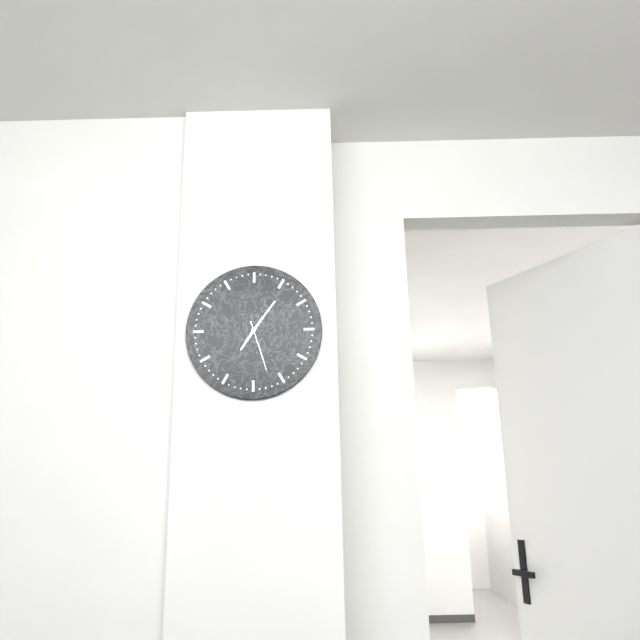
**7:06:27**
